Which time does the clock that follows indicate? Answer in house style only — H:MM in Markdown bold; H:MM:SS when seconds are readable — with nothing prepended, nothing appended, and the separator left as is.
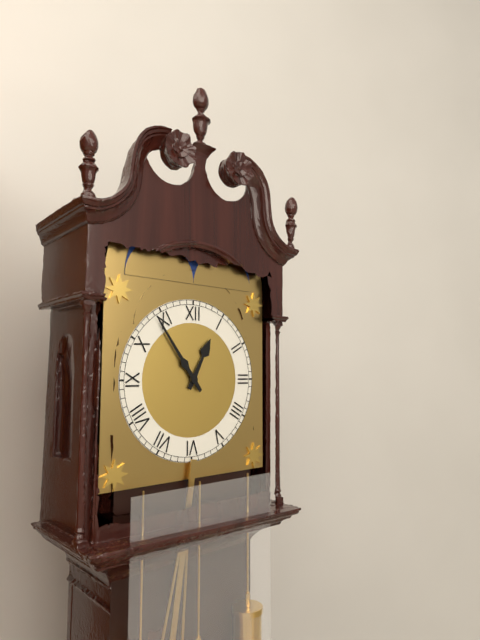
**12:54**
